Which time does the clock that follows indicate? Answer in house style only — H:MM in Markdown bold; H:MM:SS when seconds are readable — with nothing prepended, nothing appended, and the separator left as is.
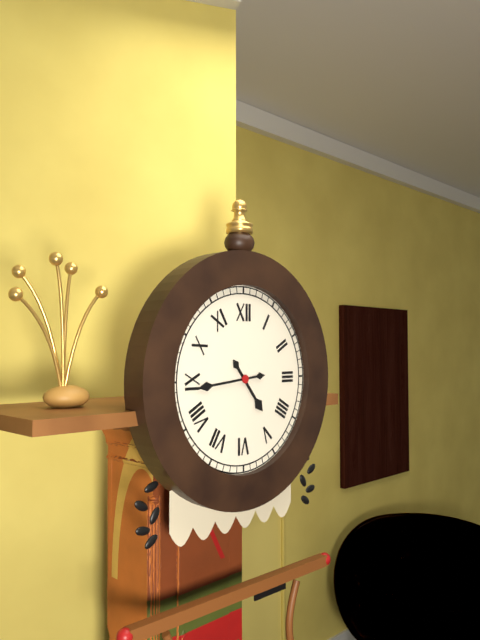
**4:44**
